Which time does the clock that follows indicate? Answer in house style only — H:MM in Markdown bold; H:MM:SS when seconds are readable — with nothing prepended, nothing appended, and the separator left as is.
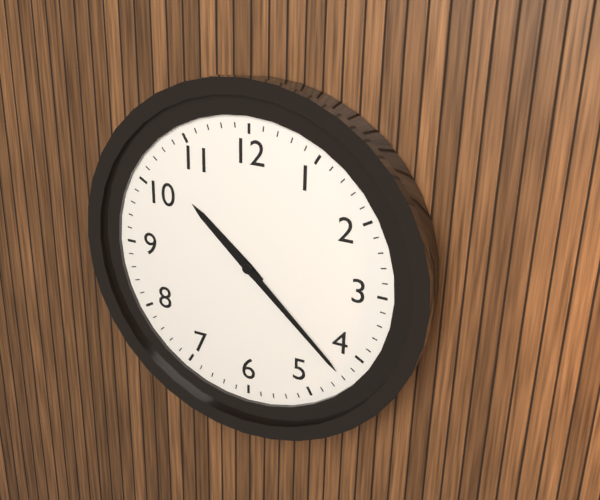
**10:22**
